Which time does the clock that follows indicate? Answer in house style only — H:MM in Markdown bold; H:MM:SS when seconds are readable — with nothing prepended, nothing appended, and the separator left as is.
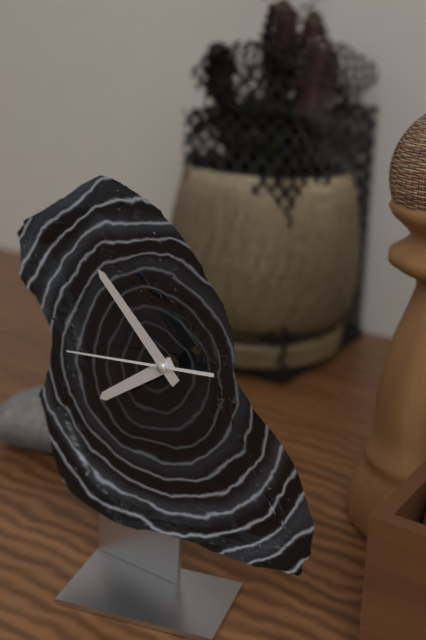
**7:52:44**
